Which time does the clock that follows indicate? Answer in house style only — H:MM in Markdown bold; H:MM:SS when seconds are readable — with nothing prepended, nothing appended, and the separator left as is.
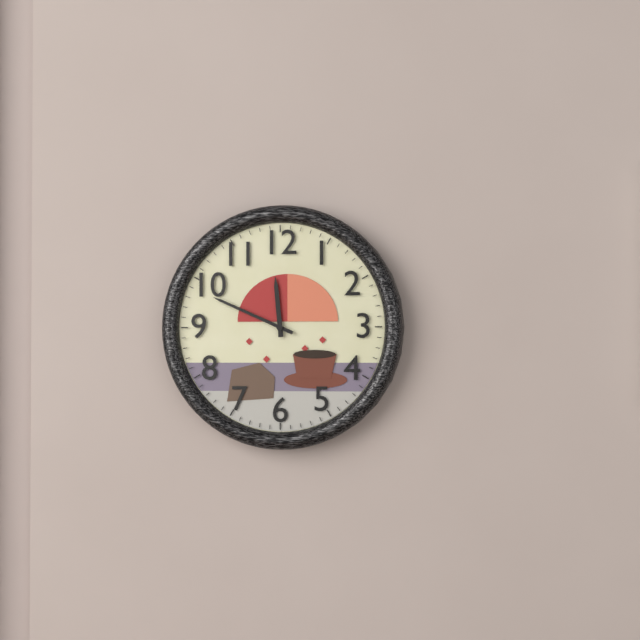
**11:49**
